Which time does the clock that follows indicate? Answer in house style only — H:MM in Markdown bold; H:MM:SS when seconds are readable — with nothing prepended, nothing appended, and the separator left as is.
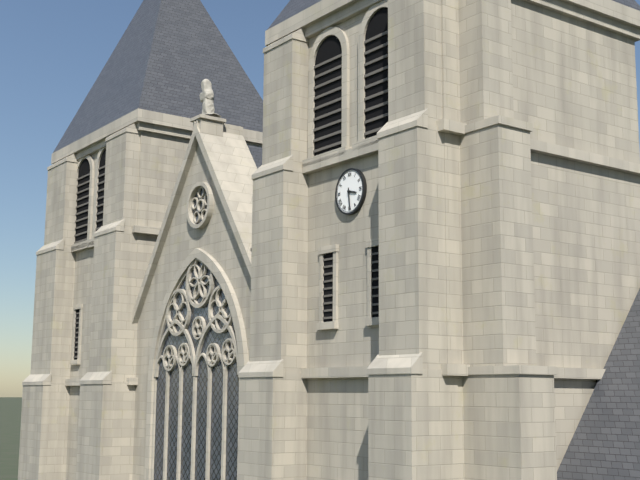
**3:29**
